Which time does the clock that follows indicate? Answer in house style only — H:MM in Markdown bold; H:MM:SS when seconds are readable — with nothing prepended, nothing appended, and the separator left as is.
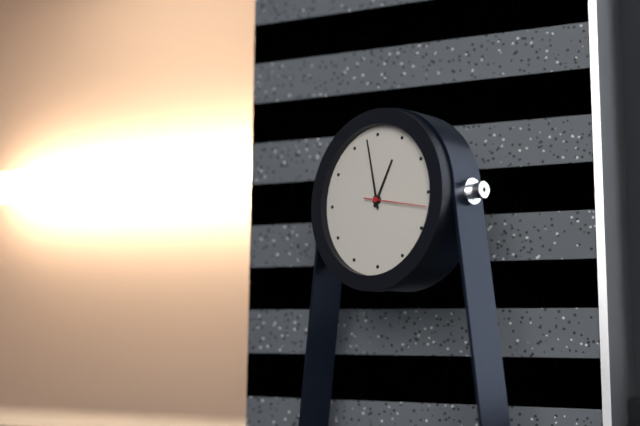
**12:58:17**
